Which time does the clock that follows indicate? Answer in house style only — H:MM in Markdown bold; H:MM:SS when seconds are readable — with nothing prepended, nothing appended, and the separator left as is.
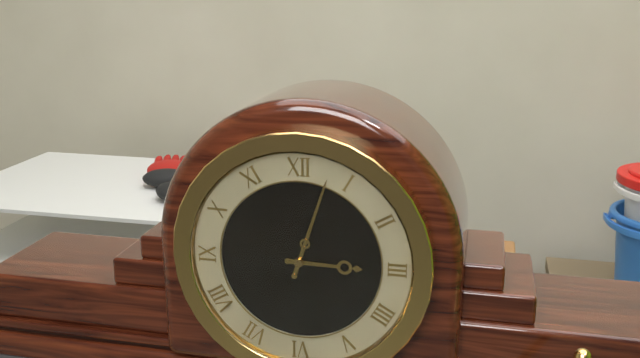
**3:03**
